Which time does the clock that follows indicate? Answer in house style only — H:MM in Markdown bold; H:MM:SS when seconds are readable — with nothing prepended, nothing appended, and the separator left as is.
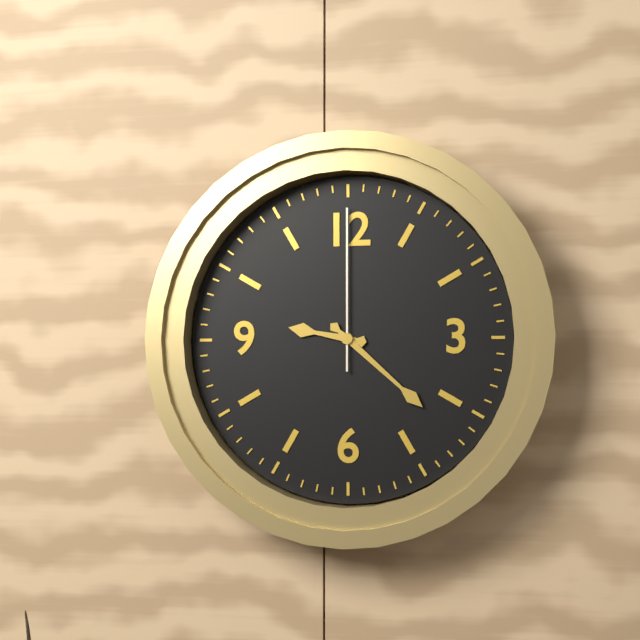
**9:22:00**
